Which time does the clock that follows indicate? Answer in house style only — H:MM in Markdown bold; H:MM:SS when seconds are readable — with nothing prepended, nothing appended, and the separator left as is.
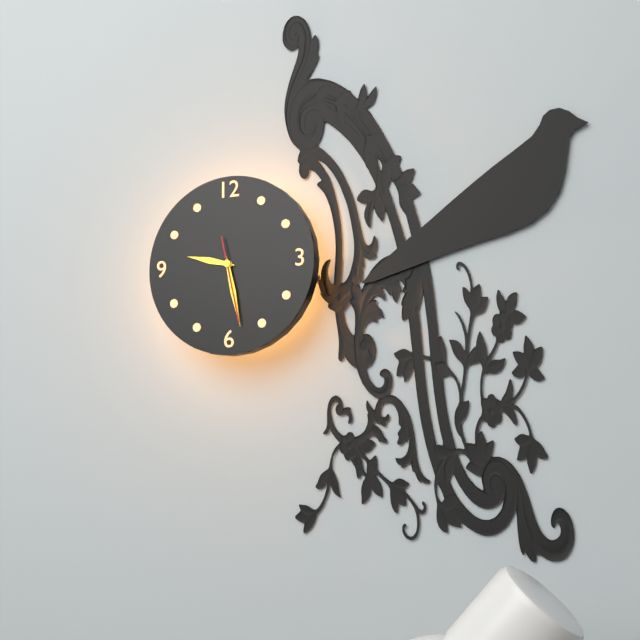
**9:28:28**
